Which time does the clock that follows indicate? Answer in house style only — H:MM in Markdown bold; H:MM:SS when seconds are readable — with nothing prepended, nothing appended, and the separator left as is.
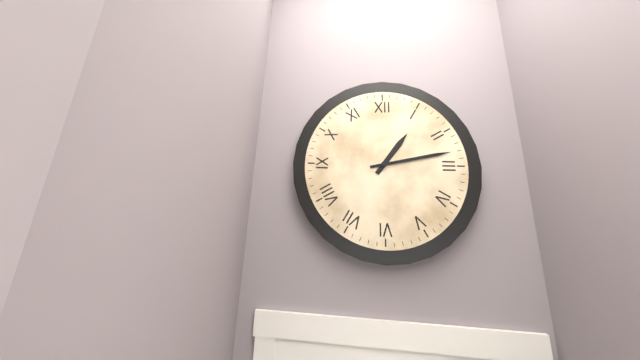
**1:13**
